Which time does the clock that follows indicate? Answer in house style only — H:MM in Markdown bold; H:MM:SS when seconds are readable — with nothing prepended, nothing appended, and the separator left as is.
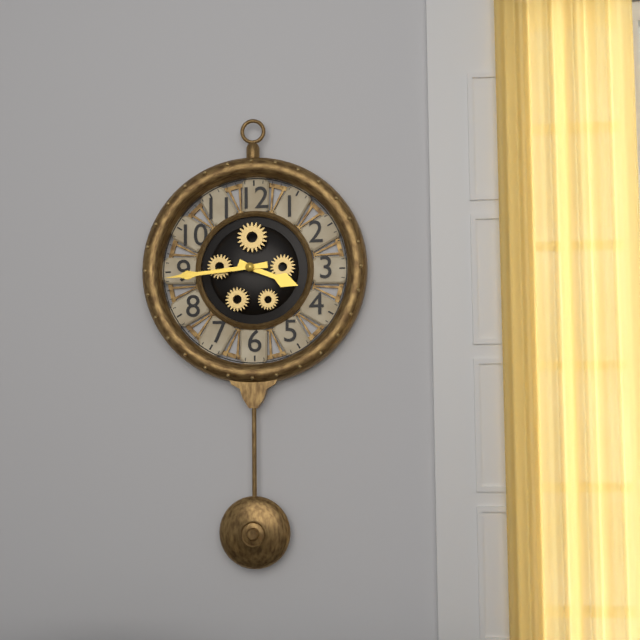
**3:44**
